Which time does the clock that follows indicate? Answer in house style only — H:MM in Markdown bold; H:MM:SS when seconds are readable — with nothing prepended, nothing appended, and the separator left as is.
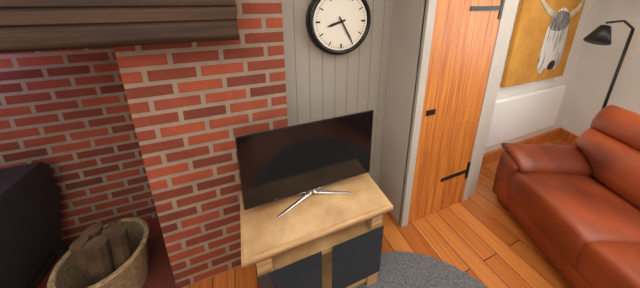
**8:25**
